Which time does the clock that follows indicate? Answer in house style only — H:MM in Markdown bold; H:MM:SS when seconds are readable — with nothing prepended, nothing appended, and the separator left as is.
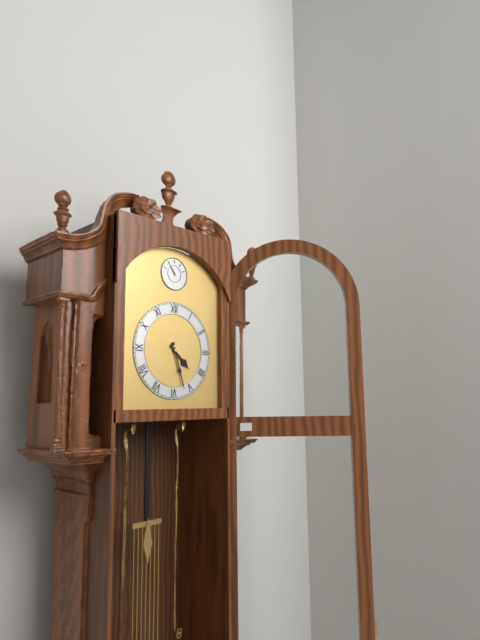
**4:27**
